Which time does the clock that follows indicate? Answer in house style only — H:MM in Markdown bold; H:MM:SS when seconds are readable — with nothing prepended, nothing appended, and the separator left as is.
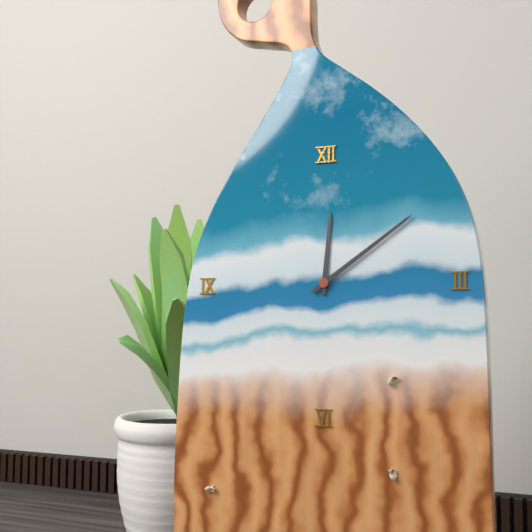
**12:09**
